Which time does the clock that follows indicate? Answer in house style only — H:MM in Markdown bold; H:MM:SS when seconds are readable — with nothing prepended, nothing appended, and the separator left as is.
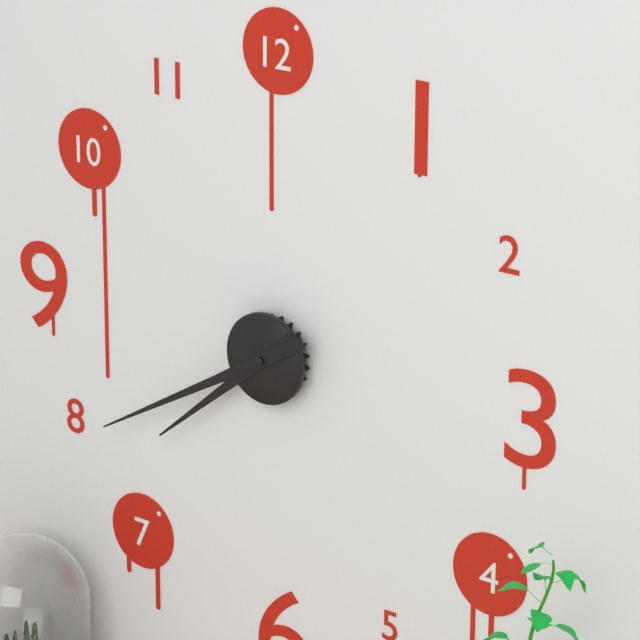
**7:40**
